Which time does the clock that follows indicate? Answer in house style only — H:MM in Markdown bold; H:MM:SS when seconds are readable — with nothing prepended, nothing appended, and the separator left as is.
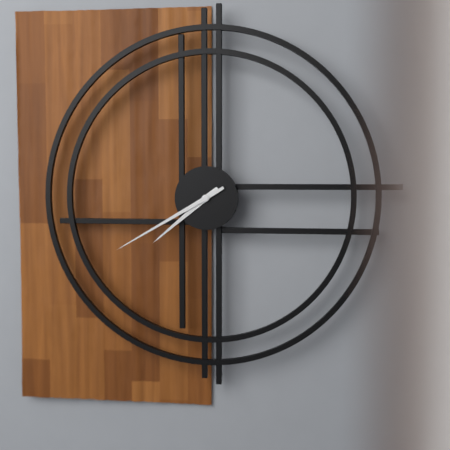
**7:40**
